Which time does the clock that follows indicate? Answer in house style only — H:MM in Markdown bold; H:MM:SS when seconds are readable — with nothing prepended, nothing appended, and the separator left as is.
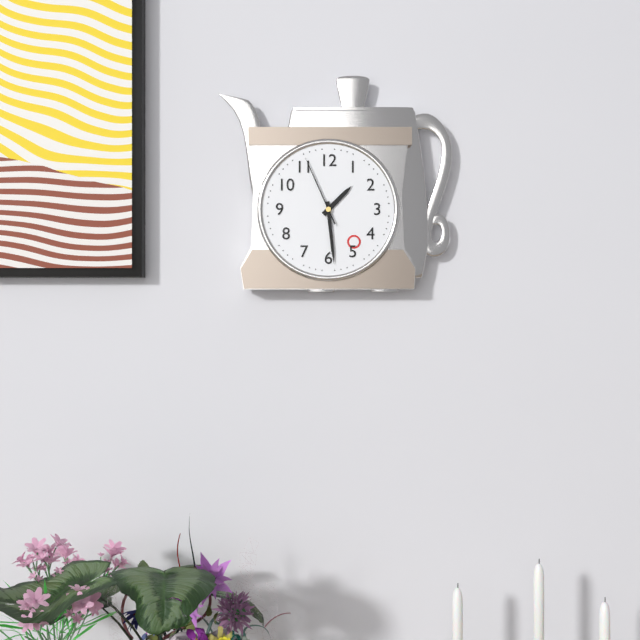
**1:29:56**
